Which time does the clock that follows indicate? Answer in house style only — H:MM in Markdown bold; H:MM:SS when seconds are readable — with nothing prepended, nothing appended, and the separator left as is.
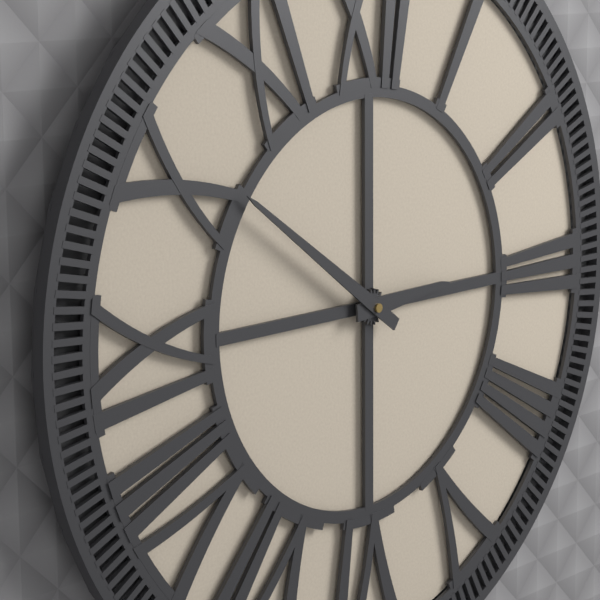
**2:51**
